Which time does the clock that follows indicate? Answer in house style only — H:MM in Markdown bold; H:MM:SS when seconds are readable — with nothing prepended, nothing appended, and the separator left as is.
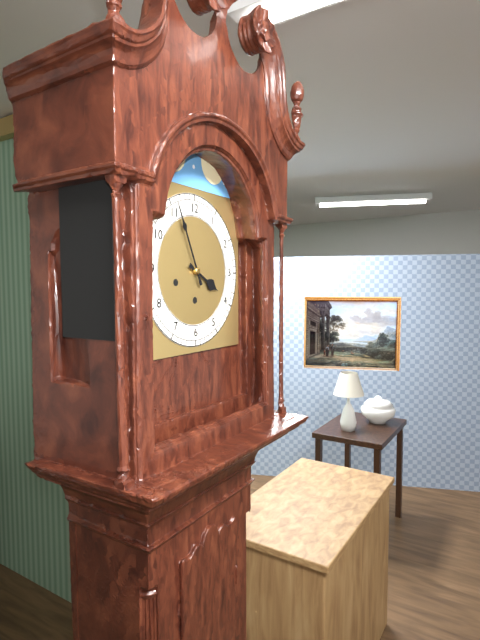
**3:56**
